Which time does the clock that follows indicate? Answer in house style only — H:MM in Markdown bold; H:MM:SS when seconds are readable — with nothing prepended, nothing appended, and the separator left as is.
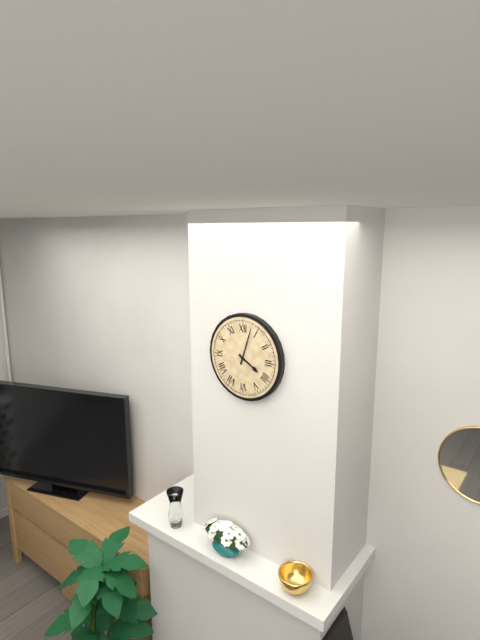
**4:03**
